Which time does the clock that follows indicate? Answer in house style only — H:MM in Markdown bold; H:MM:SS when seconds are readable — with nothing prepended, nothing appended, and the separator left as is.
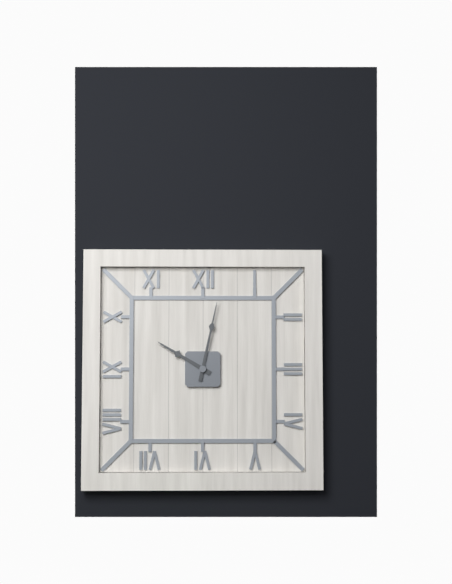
**10:02**
